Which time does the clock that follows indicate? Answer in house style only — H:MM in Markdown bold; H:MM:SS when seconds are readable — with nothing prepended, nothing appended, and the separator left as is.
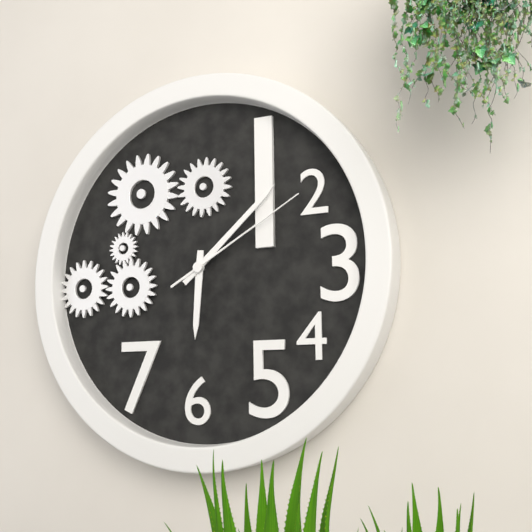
**6:08:10**
